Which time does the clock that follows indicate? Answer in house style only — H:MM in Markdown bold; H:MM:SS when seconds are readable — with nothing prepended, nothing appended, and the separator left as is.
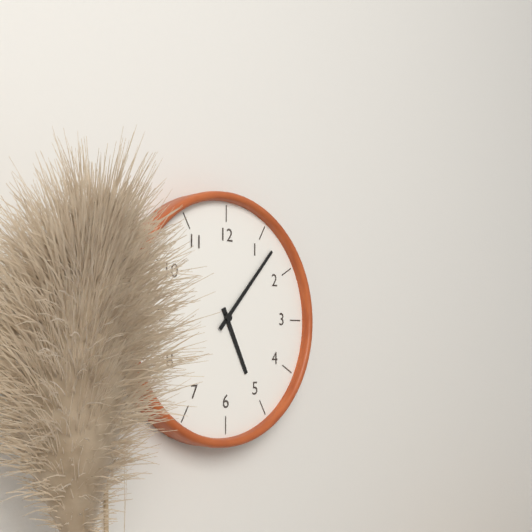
**5:07**
